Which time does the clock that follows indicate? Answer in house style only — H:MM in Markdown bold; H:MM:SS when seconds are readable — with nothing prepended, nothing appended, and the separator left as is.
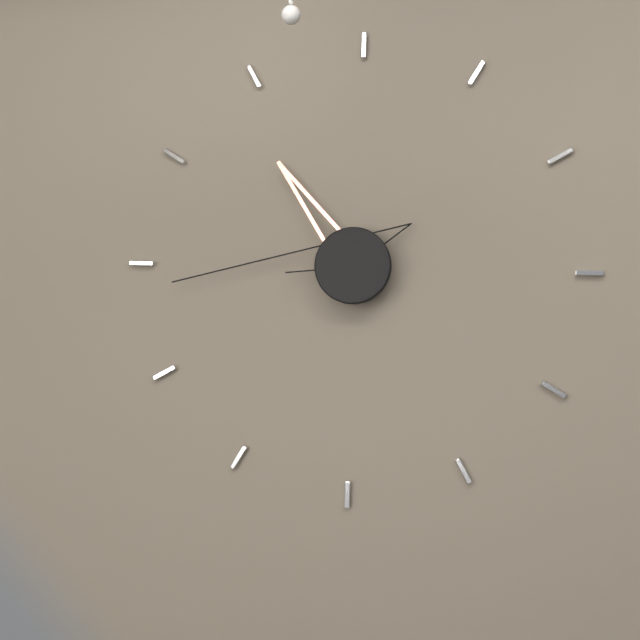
**10:44**
